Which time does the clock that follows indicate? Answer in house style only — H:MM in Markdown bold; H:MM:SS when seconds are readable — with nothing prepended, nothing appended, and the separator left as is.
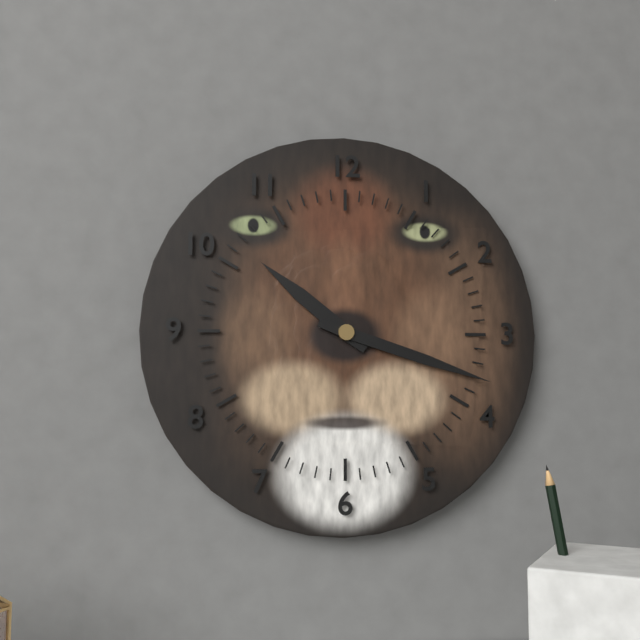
**10:18**
